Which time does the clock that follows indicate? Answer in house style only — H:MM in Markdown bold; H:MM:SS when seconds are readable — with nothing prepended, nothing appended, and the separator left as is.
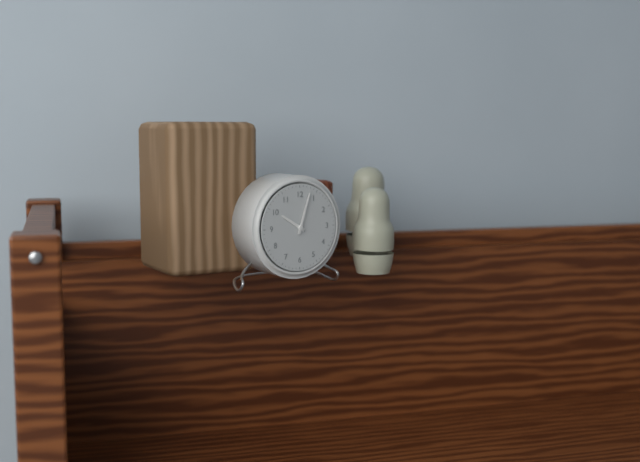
**10:03**
